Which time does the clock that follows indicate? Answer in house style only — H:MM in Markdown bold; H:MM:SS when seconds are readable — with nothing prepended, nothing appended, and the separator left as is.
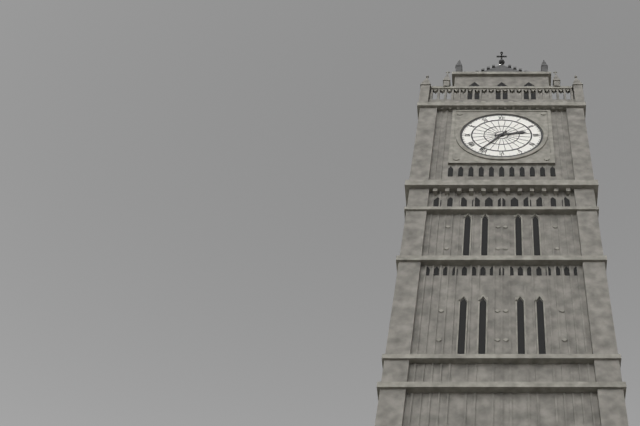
**2:36**
